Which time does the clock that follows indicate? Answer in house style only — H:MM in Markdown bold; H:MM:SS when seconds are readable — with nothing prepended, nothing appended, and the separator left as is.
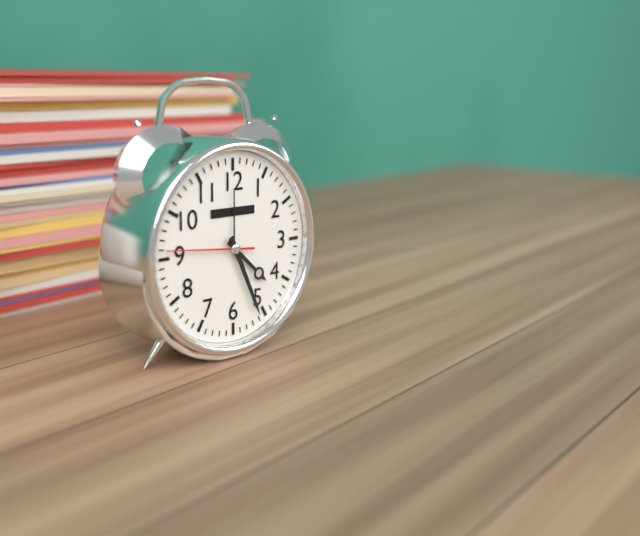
**4:26:46**
